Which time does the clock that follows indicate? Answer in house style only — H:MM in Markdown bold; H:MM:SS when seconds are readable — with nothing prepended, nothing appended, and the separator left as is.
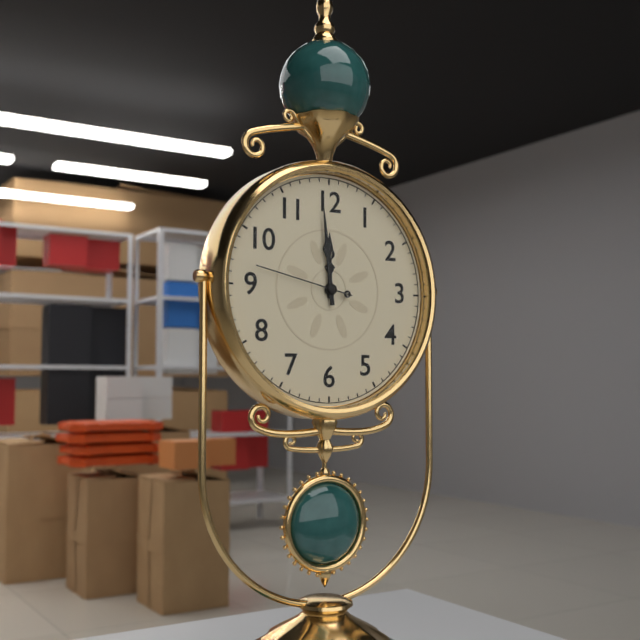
**11:59:47**
